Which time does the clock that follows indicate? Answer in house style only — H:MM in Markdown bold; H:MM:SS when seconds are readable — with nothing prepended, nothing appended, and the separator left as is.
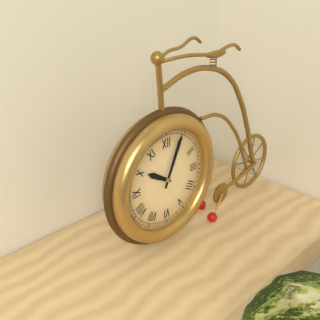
**10:04**
